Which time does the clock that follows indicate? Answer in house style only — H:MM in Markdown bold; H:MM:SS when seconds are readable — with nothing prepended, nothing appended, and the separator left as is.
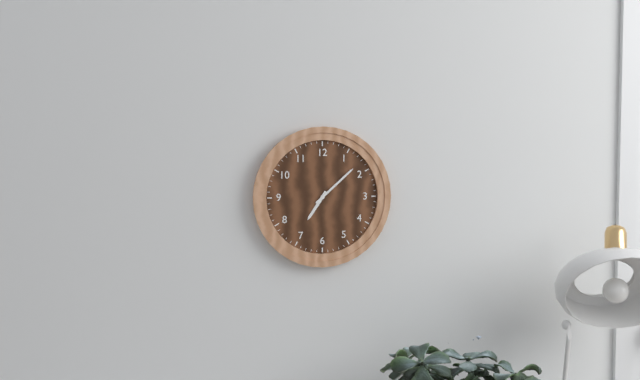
**7:08**
